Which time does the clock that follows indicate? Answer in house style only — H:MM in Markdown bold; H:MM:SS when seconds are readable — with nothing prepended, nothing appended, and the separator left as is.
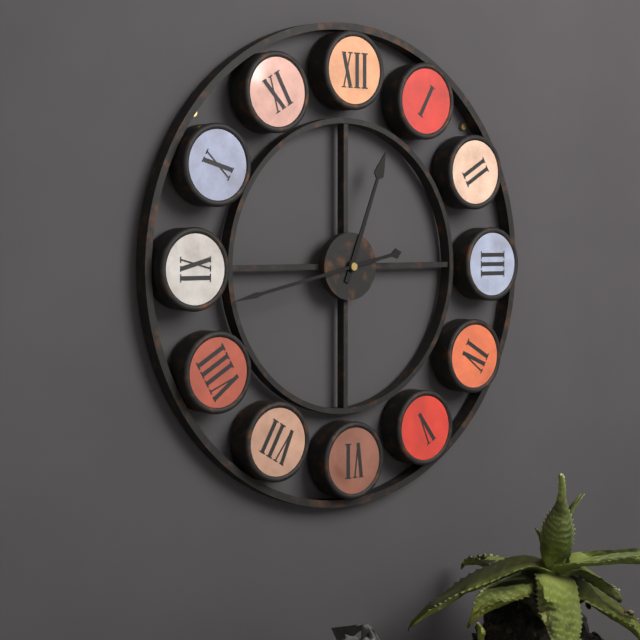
**12:43**
